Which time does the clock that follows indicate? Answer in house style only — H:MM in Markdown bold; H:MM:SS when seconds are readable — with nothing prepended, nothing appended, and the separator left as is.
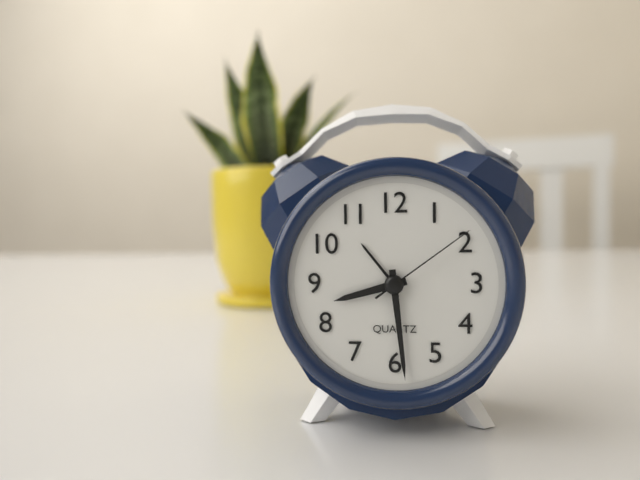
**8:29:09**
